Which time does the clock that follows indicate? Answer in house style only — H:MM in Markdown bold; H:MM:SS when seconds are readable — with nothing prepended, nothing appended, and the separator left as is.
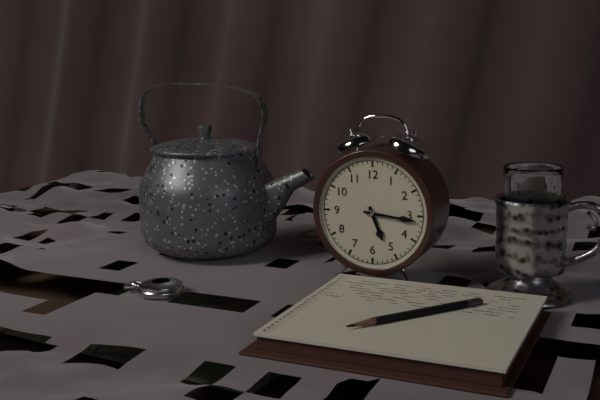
**5:16**
